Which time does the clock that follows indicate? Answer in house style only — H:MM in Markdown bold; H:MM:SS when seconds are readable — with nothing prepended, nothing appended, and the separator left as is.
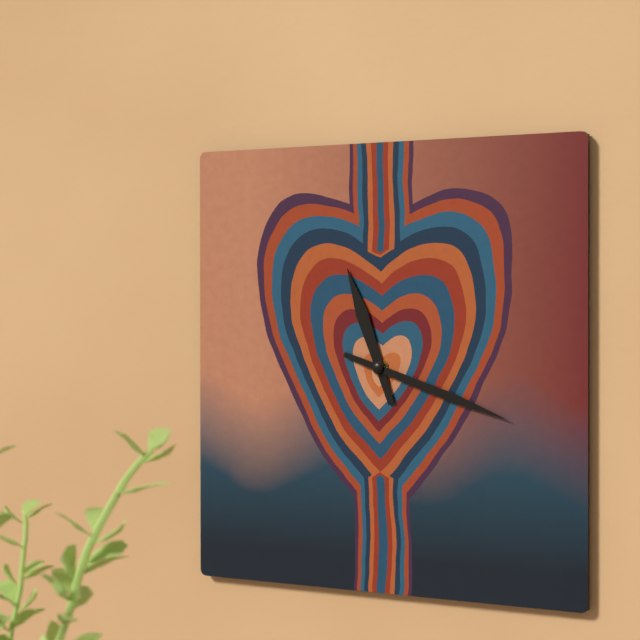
**11:18**
